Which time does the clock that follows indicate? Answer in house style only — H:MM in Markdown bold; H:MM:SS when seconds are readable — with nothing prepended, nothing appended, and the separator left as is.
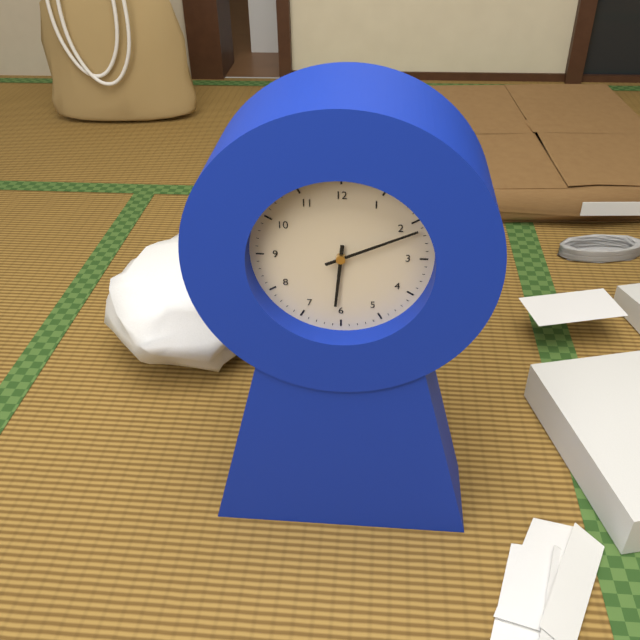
**6:11**
